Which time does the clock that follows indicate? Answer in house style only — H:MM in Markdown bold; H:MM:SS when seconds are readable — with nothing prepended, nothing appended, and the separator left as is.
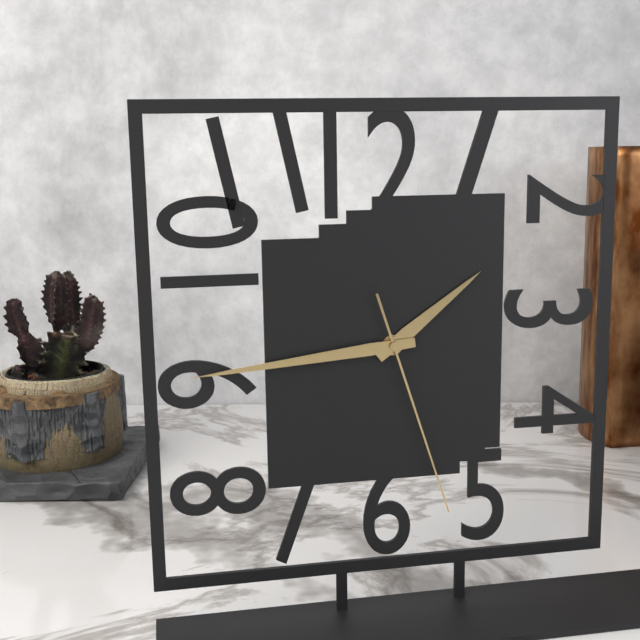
**1:44:27**
